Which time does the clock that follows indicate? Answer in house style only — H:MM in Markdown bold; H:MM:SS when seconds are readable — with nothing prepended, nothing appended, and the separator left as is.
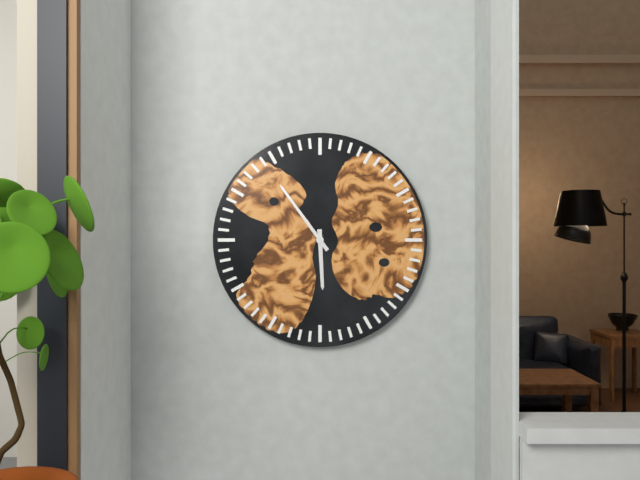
**5:54**
